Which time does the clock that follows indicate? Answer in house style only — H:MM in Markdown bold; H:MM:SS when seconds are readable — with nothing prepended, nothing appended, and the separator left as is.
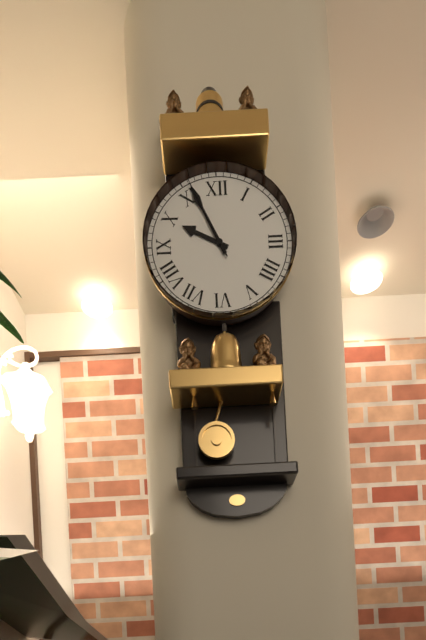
**9:56:56**
